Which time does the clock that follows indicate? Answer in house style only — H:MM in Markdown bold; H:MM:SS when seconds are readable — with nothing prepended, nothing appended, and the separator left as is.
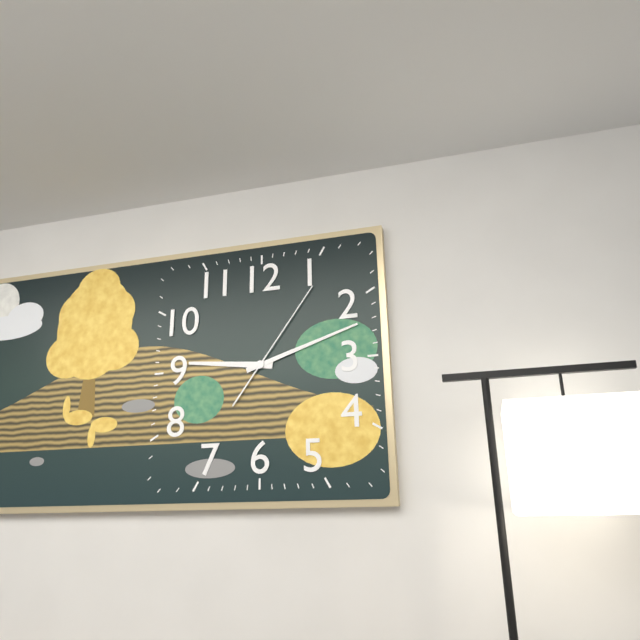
**9:12:06**
